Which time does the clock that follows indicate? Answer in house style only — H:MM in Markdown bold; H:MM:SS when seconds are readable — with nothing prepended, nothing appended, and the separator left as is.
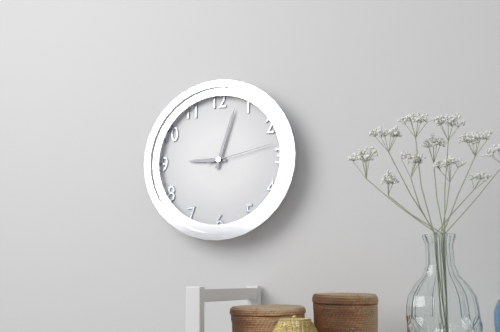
**9:03:13**
